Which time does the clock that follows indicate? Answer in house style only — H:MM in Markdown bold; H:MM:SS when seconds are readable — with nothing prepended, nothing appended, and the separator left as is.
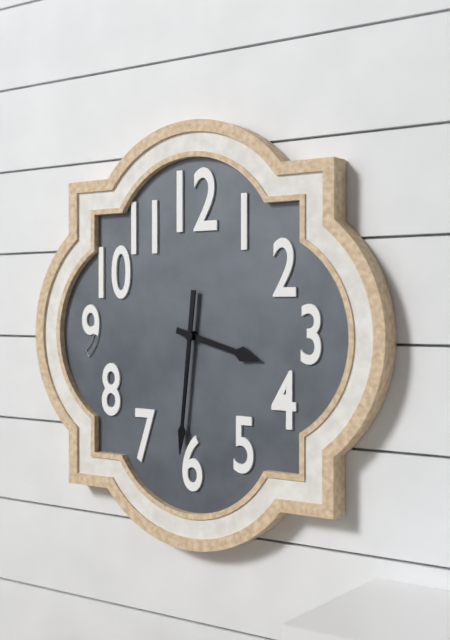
**3:31**
